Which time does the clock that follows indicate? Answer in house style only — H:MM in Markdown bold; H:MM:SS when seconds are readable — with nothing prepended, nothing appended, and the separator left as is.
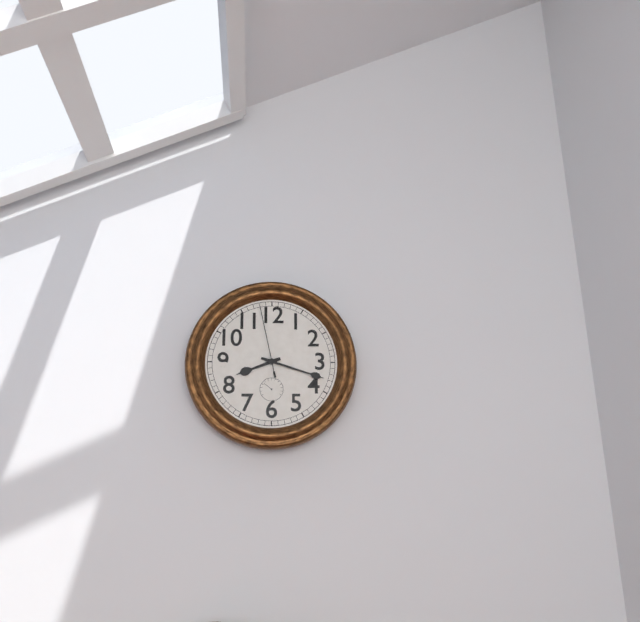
**8:18:58**
